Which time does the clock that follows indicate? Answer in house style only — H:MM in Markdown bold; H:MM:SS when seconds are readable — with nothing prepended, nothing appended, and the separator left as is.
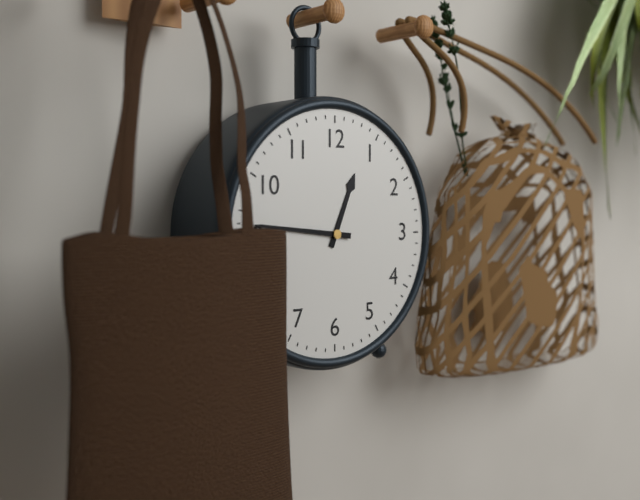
**12:46**
